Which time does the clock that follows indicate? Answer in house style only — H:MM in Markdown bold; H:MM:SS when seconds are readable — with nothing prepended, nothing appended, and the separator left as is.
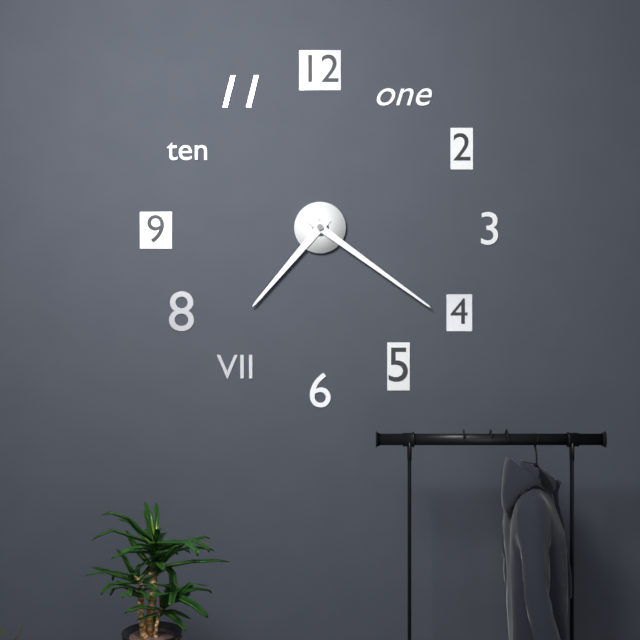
**7:21**
